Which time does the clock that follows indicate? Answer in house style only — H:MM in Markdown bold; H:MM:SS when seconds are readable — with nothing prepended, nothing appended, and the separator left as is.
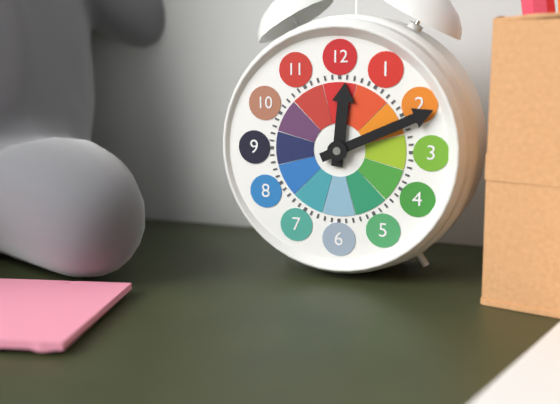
**12:11**
